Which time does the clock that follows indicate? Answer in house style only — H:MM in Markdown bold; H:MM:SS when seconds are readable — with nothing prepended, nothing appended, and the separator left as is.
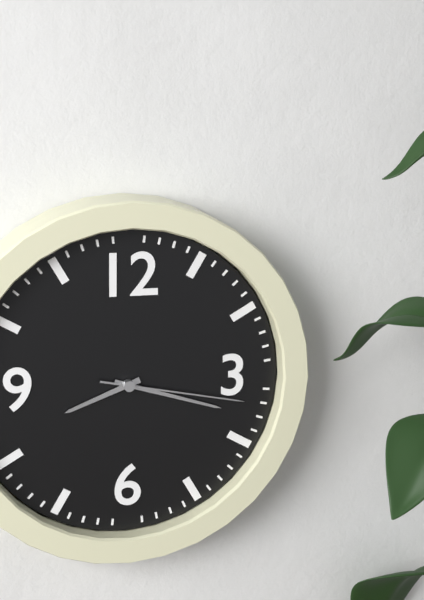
**8:18:17**
